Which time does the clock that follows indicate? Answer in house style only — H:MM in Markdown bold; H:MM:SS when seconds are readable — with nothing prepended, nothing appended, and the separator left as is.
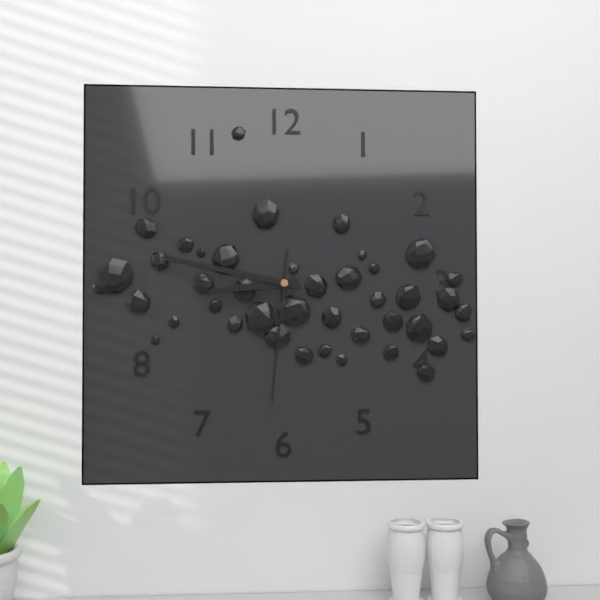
**8:47:31**
